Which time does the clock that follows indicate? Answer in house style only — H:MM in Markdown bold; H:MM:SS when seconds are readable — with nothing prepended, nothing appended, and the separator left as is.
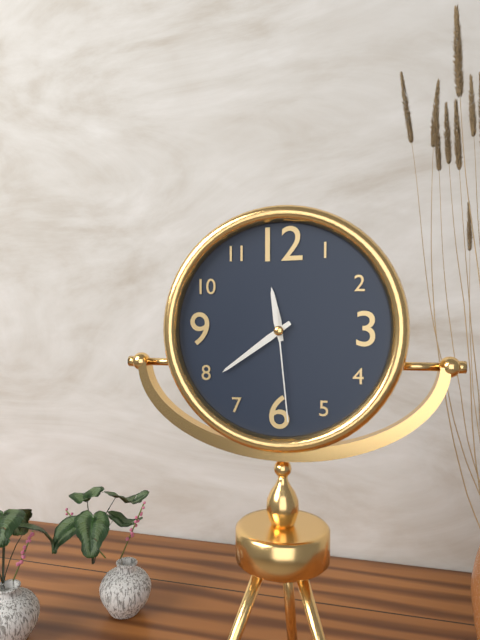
**11:39:29**
